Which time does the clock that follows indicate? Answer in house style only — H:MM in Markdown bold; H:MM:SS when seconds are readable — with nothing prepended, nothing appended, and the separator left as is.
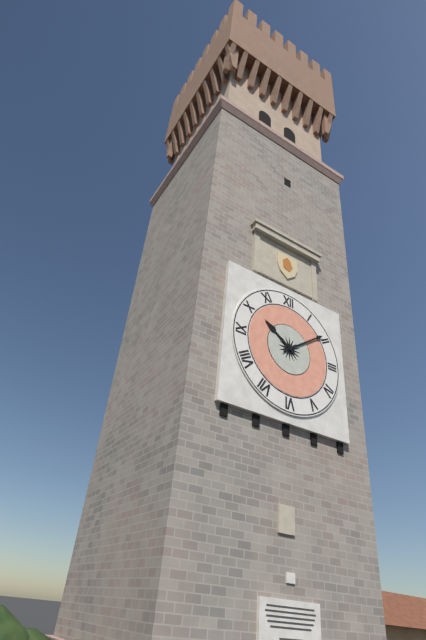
**10:09**
